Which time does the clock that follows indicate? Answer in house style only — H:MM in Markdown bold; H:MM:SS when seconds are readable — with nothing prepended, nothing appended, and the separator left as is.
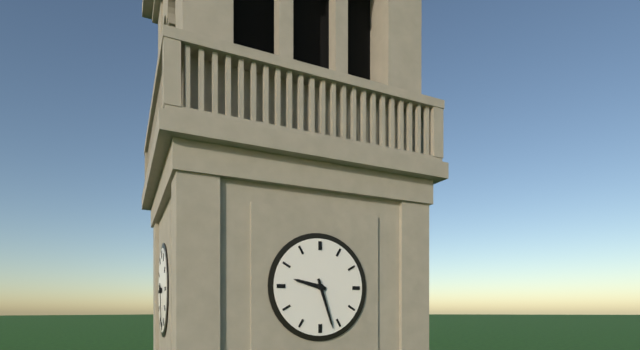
**9:27**
